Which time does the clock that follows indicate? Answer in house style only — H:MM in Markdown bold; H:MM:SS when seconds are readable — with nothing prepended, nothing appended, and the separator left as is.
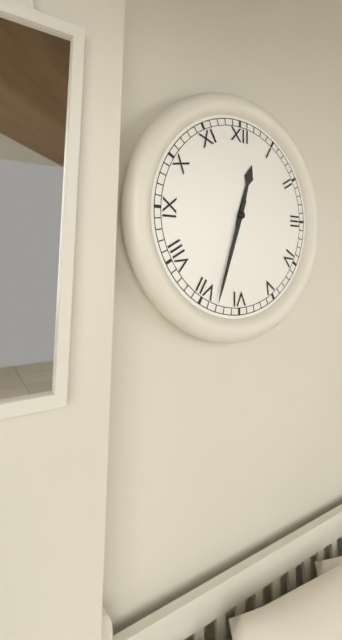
**12:33**
